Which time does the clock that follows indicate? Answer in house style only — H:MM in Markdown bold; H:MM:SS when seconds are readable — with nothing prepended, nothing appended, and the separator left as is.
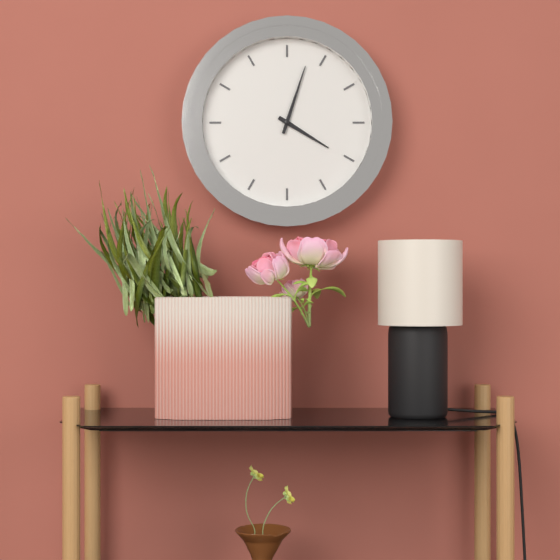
**4:03**
